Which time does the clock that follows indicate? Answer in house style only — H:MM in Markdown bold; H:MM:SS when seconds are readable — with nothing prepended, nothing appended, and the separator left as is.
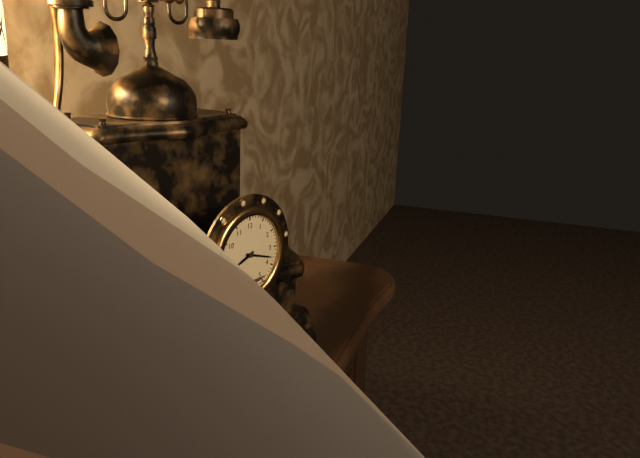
**8:18**
